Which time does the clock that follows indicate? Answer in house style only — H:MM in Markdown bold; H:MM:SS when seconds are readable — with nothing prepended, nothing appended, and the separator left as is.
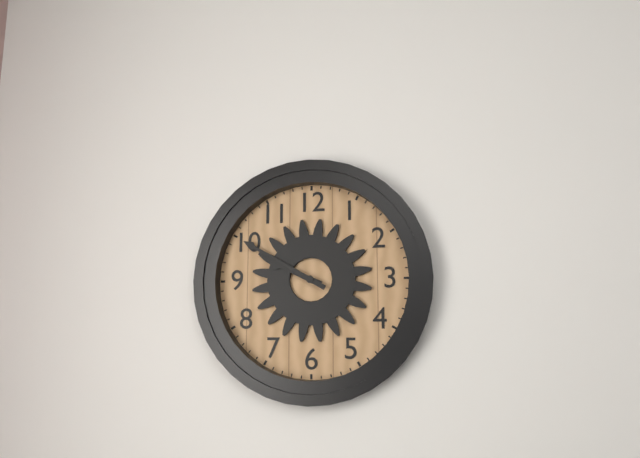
**9:50**
